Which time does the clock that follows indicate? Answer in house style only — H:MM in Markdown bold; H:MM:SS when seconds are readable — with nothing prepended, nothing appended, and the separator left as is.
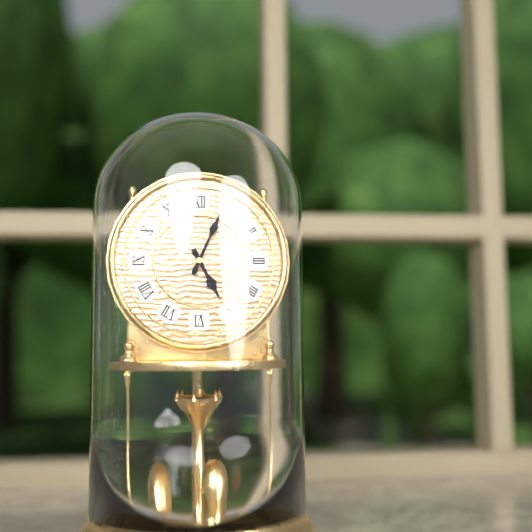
**5:04**
